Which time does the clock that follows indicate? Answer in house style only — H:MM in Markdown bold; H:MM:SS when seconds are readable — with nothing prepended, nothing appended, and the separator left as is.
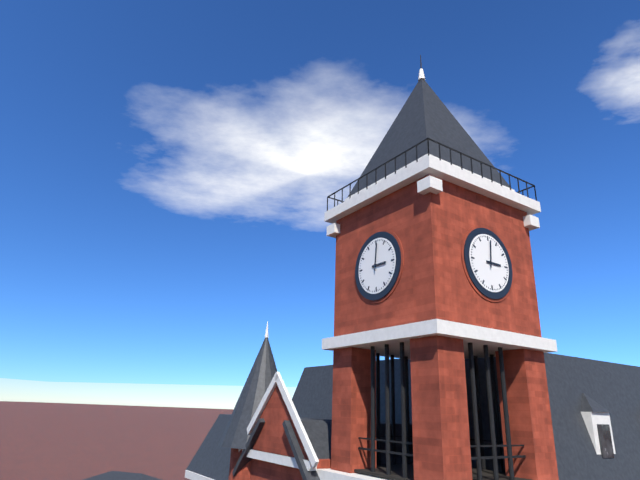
**3:01**
